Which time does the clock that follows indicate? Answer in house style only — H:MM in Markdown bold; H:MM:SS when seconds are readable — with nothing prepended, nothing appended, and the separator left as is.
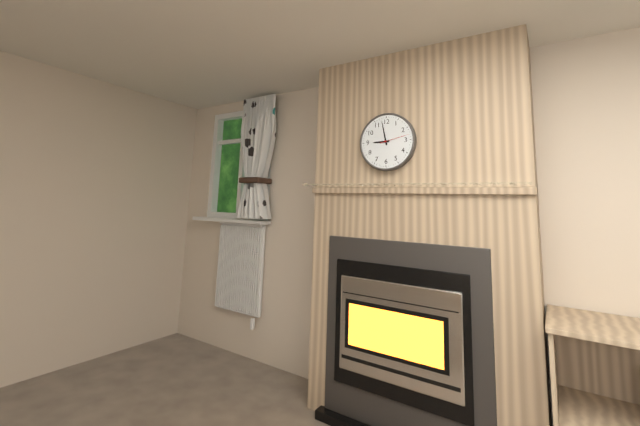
**8:58**
